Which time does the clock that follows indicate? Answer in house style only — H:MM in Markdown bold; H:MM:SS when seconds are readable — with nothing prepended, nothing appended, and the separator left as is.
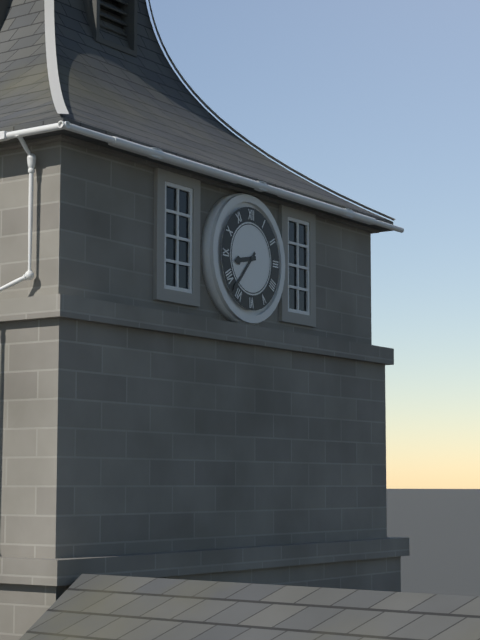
**8:37**
